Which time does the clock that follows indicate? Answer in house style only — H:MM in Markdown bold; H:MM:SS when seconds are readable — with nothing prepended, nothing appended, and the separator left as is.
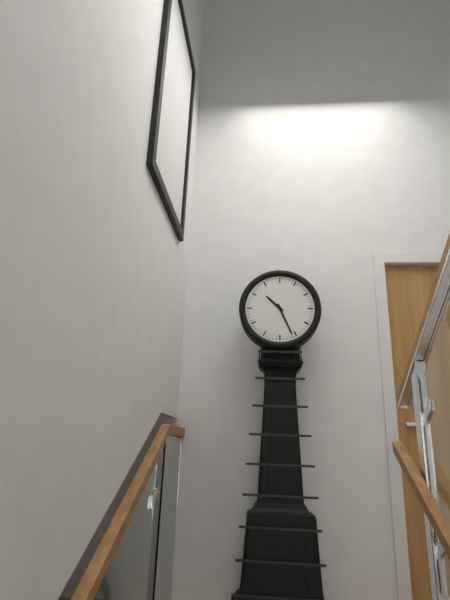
**10:26**
